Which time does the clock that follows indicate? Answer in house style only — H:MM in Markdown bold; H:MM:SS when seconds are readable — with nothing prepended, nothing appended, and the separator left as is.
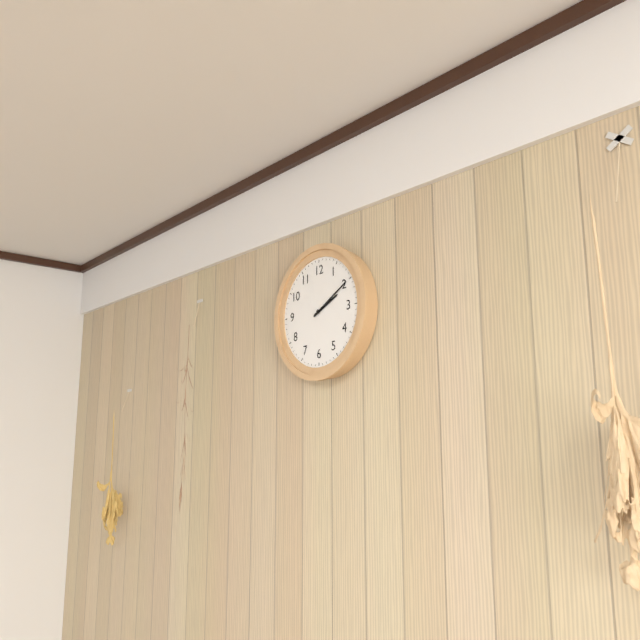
**2:10**
